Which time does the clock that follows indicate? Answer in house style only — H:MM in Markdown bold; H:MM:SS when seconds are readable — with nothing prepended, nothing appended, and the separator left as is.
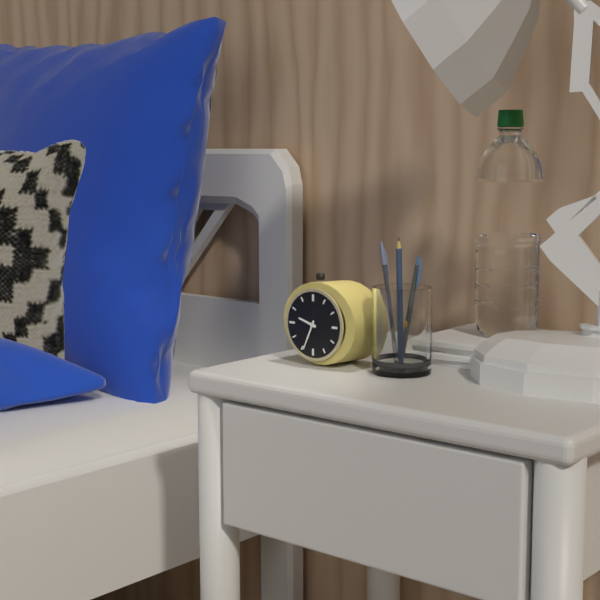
**9:34**
